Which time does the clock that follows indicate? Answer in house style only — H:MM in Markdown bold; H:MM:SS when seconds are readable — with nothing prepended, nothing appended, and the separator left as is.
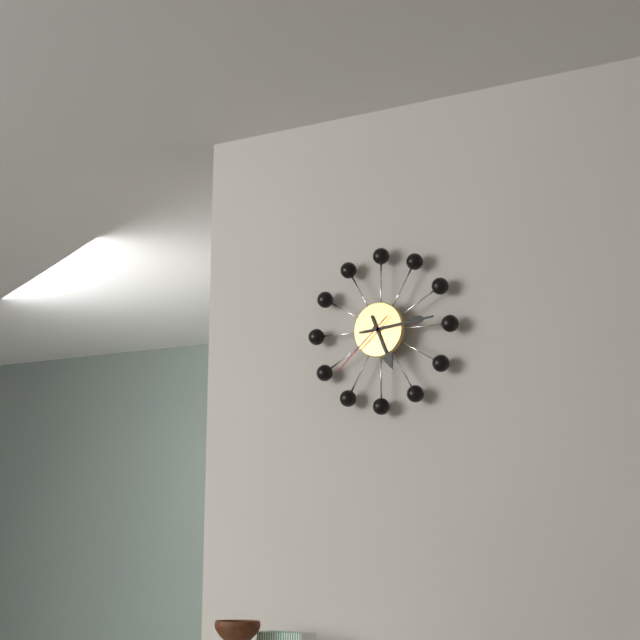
**5:14:38**
